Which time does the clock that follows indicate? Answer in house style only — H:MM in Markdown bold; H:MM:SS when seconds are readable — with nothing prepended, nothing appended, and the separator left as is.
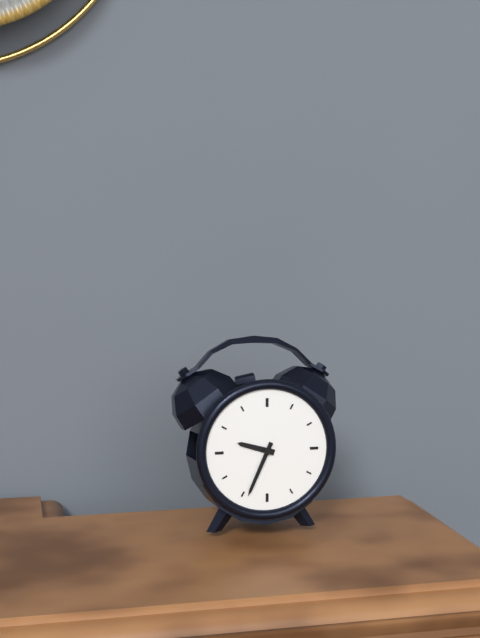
**9:34**
